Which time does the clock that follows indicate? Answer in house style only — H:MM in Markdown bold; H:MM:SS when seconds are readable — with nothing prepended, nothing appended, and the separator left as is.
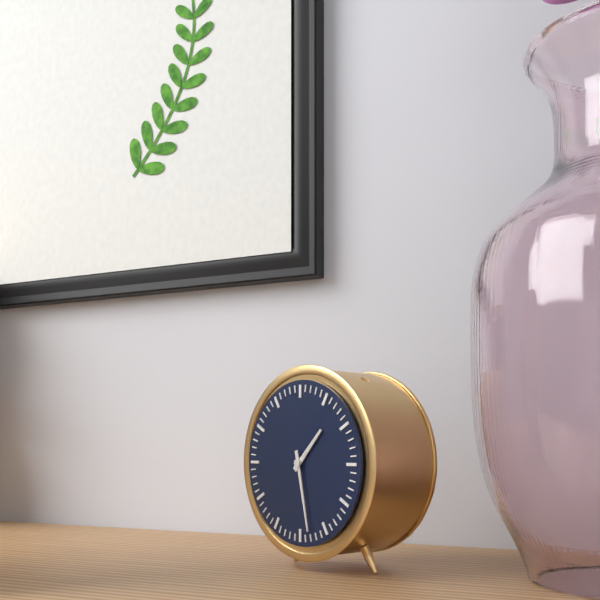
**1:28**
